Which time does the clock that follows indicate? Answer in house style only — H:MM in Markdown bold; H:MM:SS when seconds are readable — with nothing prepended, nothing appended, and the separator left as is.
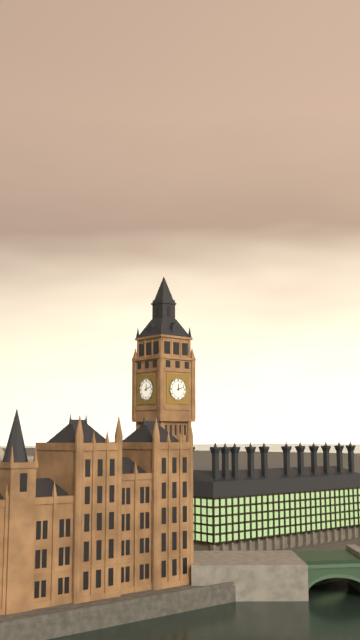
**12:12**
